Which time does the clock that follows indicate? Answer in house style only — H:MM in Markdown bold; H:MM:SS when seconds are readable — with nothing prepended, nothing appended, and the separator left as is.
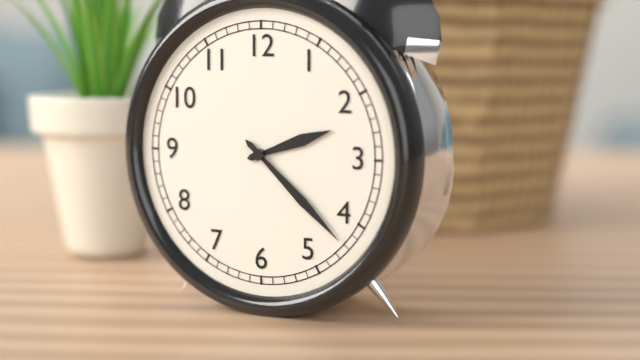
**2:22**
